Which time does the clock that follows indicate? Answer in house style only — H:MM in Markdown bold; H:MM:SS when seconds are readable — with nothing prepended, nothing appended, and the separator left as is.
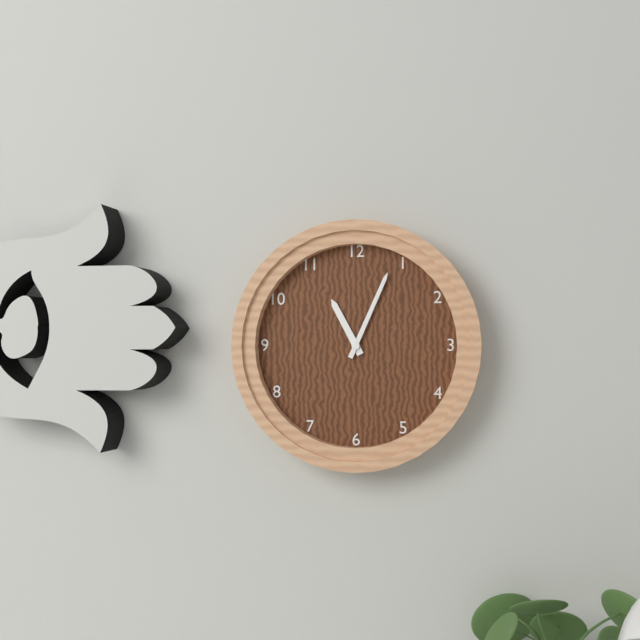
**11:04**
